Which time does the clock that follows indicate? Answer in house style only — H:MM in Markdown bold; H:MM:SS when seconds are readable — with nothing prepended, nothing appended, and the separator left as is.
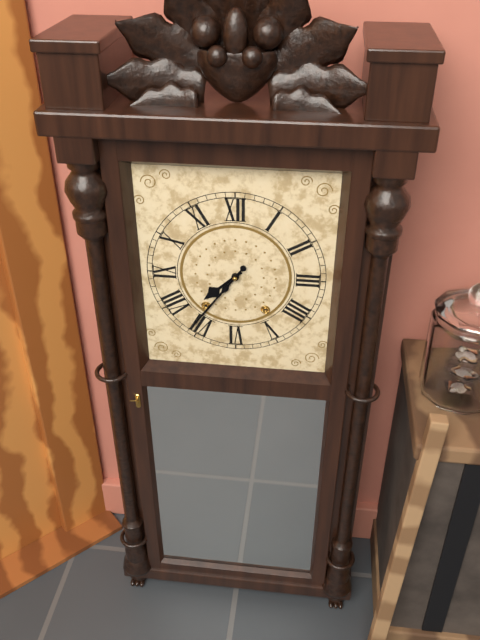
**7:36**
